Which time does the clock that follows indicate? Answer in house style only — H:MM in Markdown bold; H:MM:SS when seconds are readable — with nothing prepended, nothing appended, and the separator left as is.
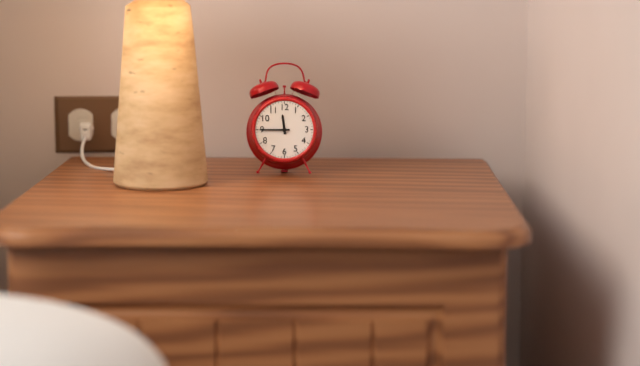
**11:45**
